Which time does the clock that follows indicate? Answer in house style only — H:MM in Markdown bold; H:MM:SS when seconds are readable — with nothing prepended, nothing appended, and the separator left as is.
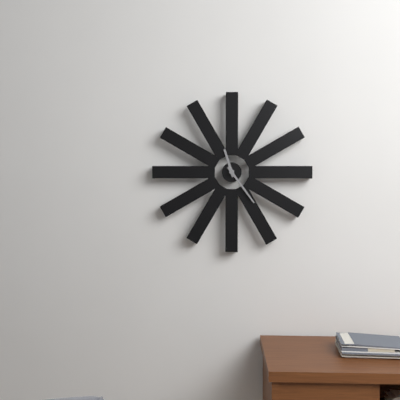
**11:24**
